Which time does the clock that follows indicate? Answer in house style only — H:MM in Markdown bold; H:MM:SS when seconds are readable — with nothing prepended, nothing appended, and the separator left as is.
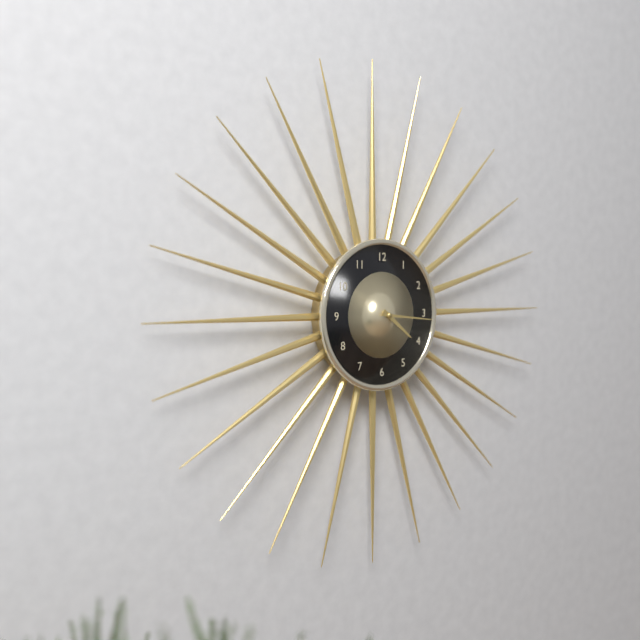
**4:16**
